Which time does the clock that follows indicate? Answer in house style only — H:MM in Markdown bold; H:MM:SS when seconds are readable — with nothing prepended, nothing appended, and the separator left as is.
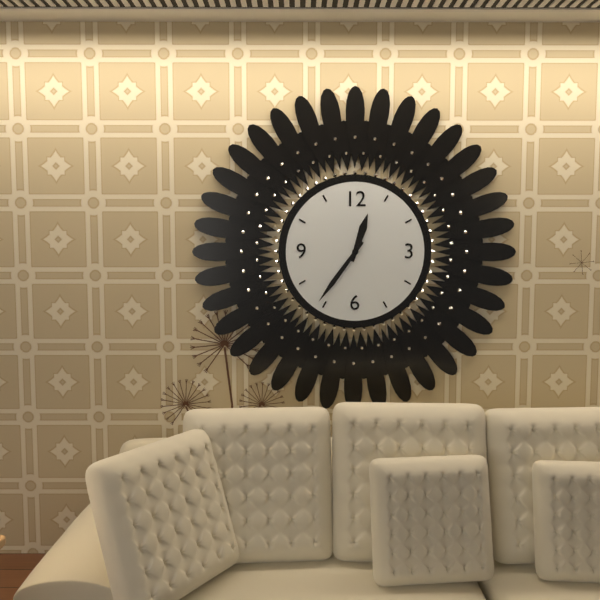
**12:36**
